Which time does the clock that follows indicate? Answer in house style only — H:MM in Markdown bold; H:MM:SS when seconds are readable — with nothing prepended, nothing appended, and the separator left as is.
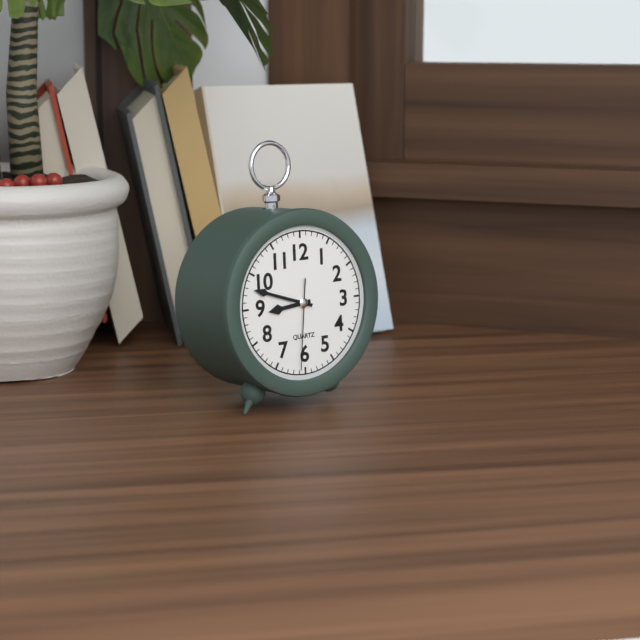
**8:48:31**
